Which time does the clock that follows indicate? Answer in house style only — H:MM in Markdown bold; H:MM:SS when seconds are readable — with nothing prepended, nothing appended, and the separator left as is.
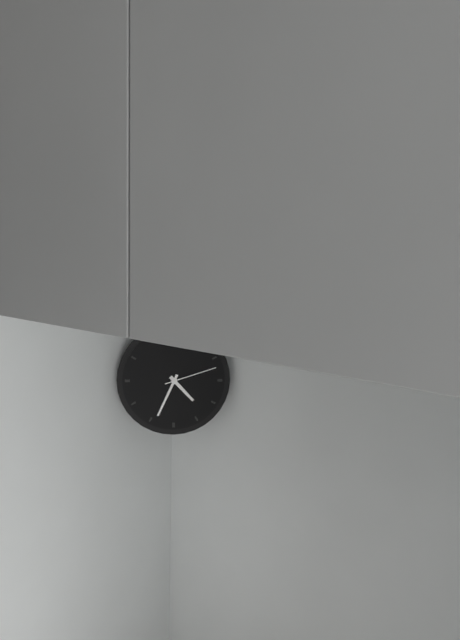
**4:34:12**
